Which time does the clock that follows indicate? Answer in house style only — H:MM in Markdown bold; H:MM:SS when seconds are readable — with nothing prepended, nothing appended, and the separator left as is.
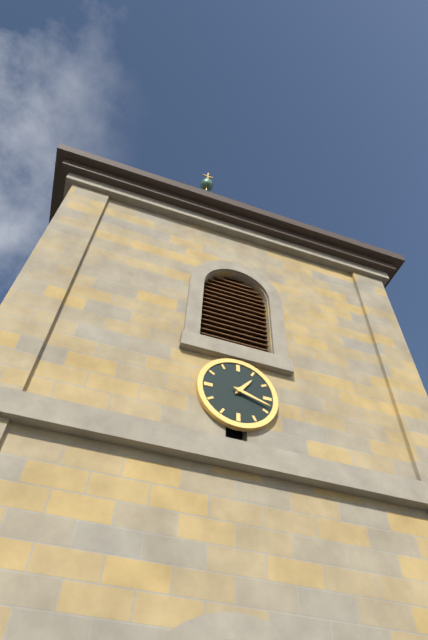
**1:18**
